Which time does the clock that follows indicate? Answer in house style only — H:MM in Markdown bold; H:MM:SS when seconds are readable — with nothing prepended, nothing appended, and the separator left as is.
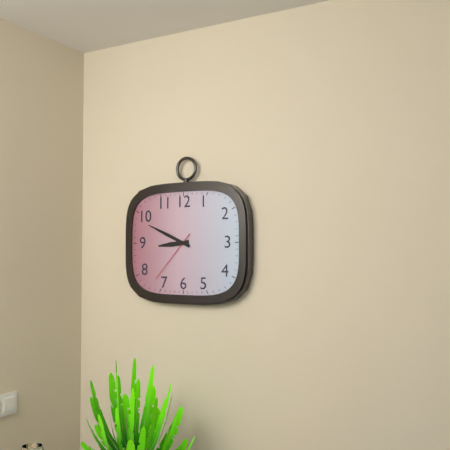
**8:49:37**
